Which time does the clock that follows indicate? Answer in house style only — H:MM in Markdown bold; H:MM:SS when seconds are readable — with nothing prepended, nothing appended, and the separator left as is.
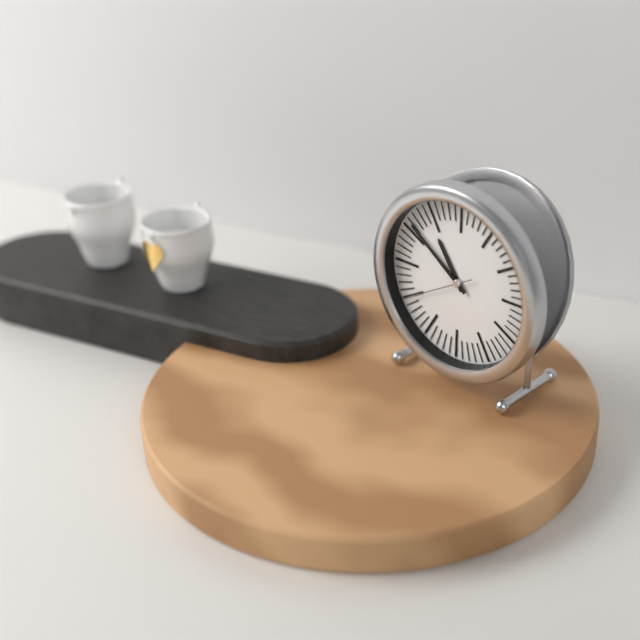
**10:51:40**
